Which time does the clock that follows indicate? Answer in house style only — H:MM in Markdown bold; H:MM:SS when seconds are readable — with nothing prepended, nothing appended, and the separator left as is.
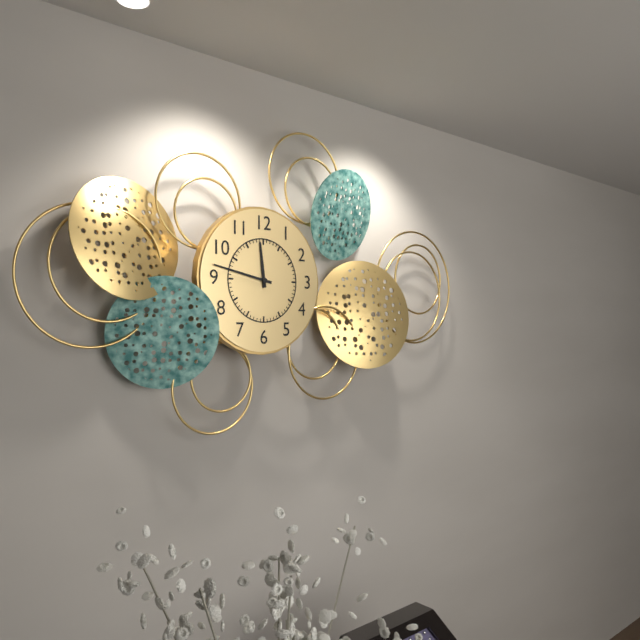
**11:47**
